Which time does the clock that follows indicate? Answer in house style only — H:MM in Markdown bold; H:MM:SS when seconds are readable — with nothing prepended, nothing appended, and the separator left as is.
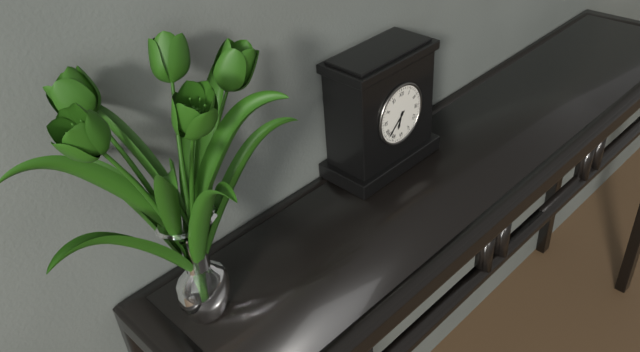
**6:38**
